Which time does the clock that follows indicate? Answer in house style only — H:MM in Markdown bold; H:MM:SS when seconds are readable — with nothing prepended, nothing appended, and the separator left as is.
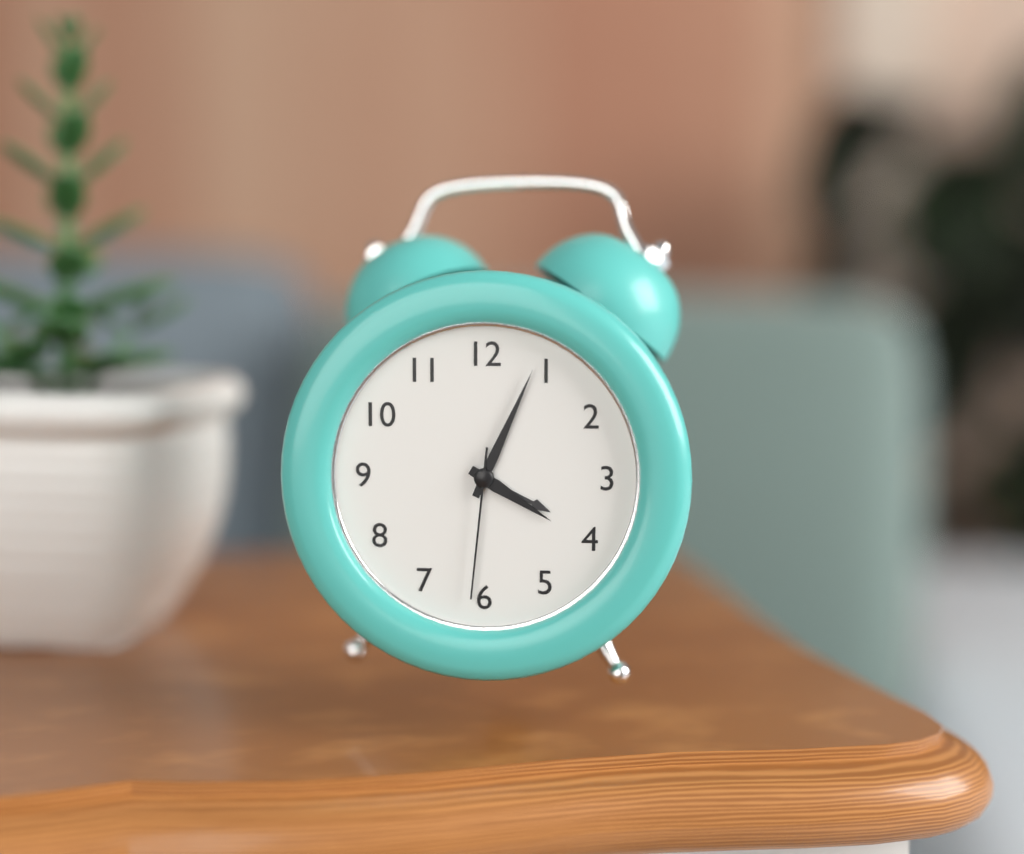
**4:04:31**
